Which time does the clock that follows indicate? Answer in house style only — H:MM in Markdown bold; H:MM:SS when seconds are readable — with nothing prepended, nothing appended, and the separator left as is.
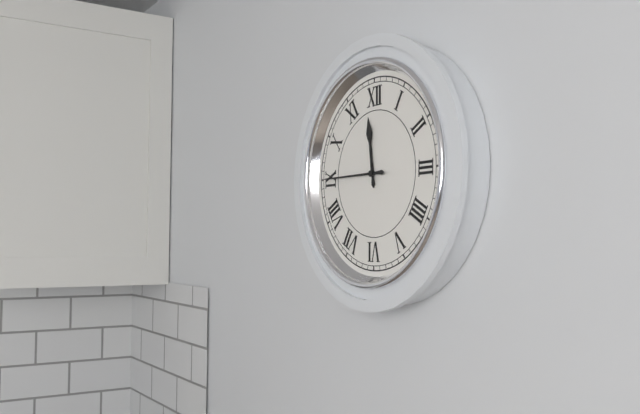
**11:45**
